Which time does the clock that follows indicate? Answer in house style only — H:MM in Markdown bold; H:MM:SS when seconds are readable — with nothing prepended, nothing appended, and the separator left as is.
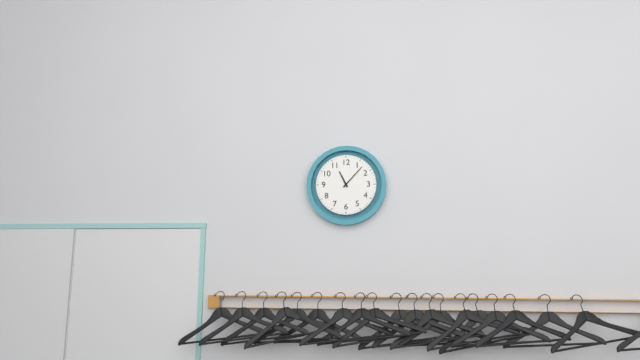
**11:07**
